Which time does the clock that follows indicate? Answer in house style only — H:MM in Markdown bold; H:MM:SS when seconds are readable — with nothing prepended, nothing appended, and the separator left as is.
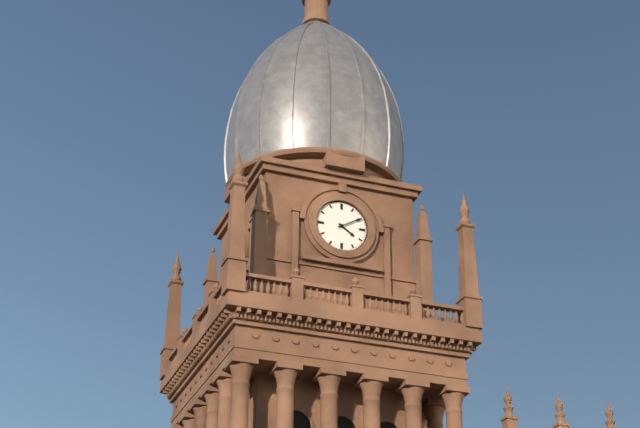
**4:10**
